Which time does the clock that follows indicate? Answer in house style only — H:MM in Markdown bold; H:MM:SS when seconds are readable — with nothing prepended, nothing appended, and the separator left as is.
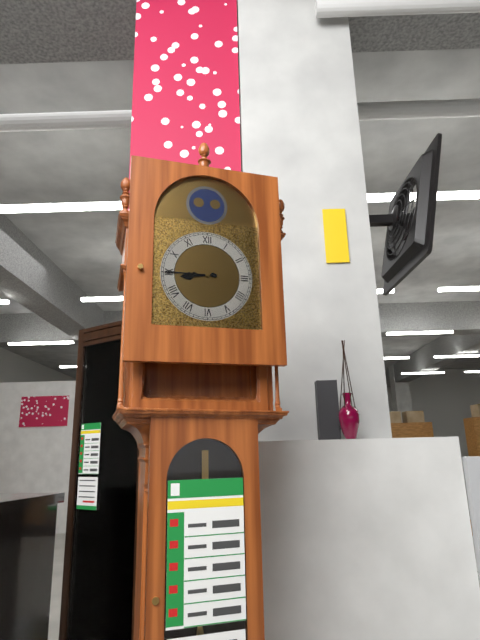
**8:45**
